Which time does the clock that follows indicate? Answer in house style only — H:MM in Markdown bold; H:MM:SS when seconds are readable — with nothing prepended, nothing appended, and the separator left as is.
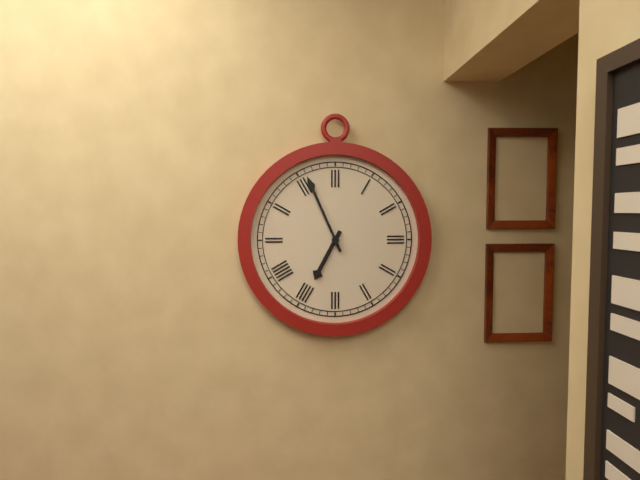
**6:56**
